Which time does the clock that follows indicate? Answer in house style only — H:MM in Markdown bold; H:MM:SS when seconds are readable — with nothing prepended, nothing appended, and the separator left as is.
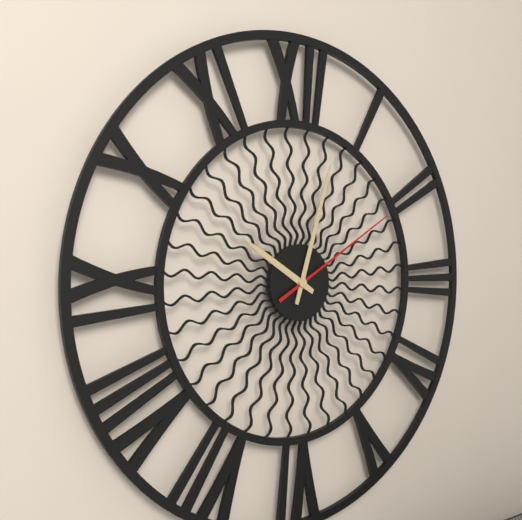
**10:03:10**
